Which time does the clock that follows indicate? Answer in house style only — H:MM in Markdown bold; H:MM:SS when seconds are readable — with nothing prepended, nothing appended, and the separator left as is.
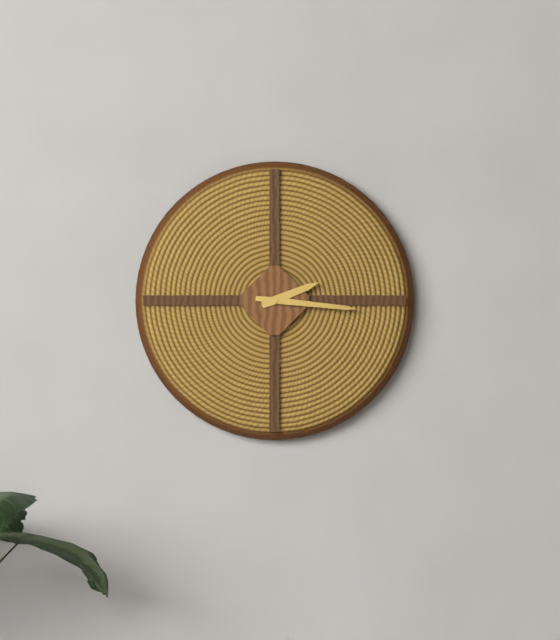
**2:16**
